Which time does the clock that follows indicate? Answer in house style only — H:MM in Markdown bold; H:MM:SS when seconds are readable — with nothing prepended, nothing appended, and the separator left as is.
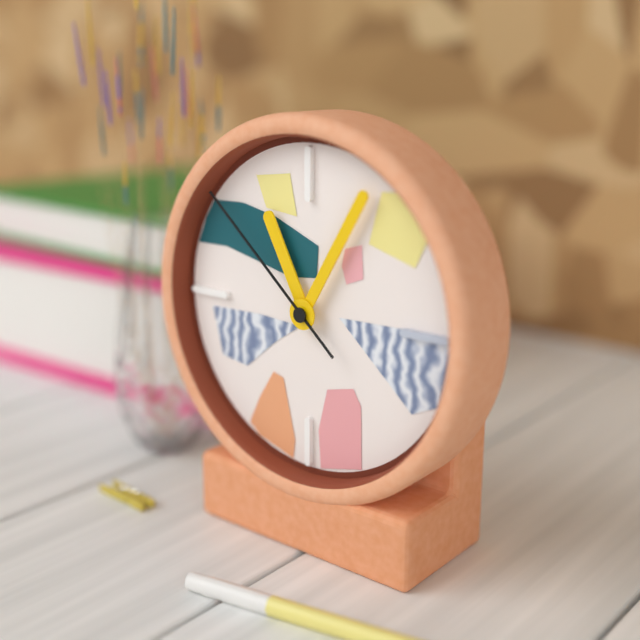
**11:05:52**
